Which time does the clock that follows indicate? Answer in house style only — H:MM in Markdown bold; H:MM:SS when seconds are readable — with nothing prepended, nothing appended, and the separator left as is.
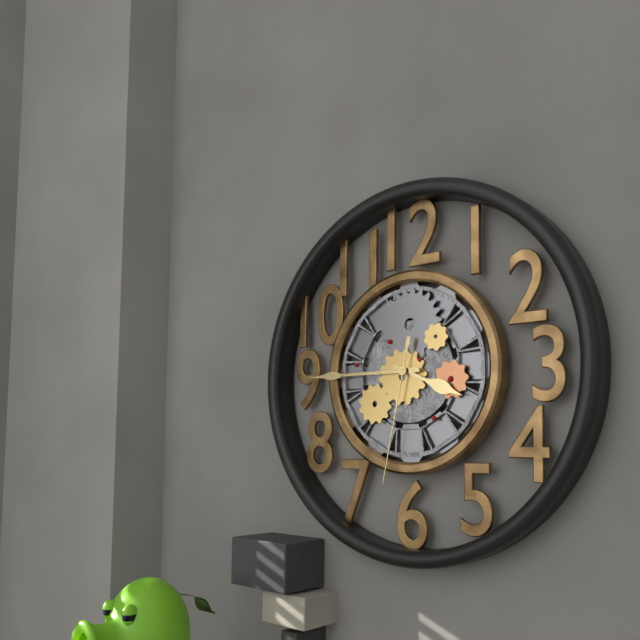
**3:45:32**
